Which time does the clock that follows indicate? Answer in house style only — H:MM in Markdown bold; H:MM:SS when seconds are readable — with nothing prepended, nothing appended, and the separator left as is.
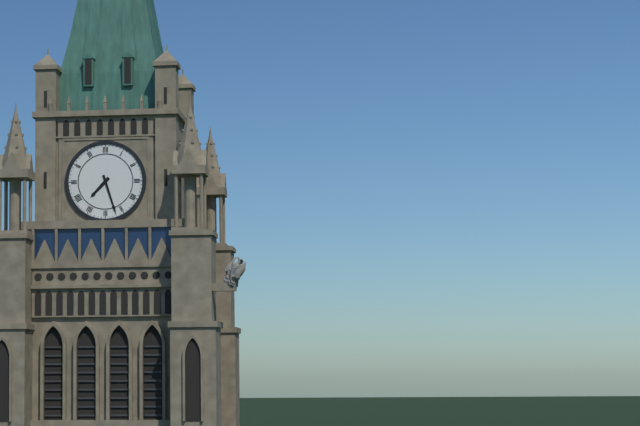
**7:27**
